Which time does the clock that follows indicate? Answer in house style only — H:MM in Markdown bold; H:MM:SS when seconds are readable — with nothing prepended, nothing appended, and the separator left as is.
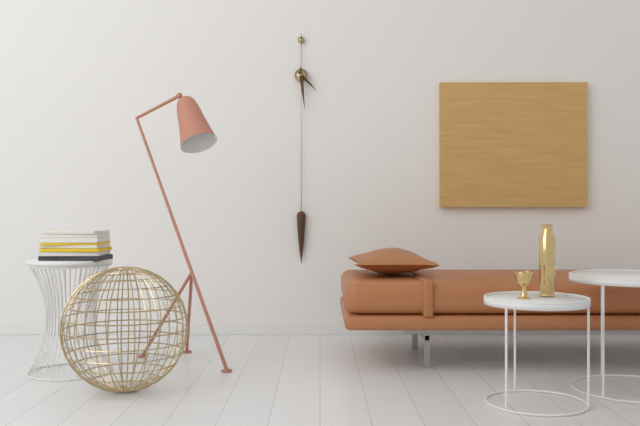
**4:29**
